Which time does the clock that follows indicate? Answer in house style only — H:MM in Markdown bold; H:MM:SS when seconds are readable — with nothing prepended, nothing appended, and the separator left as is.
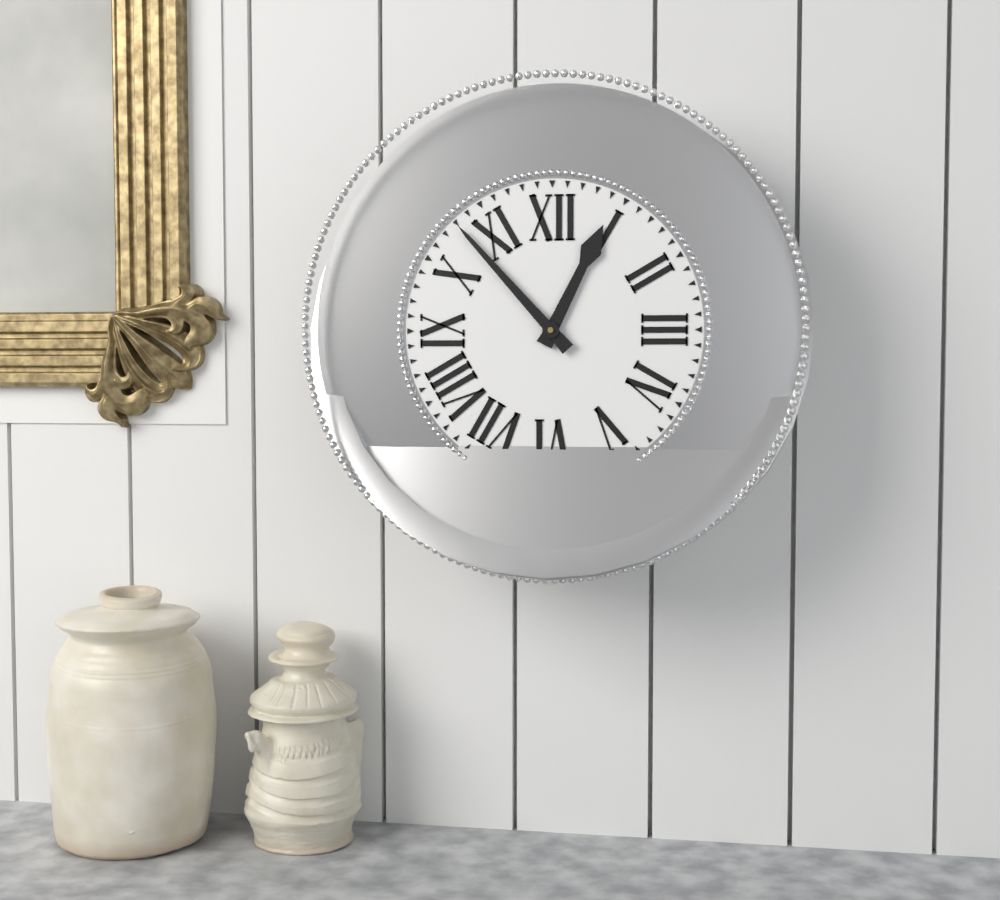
**12:53**
